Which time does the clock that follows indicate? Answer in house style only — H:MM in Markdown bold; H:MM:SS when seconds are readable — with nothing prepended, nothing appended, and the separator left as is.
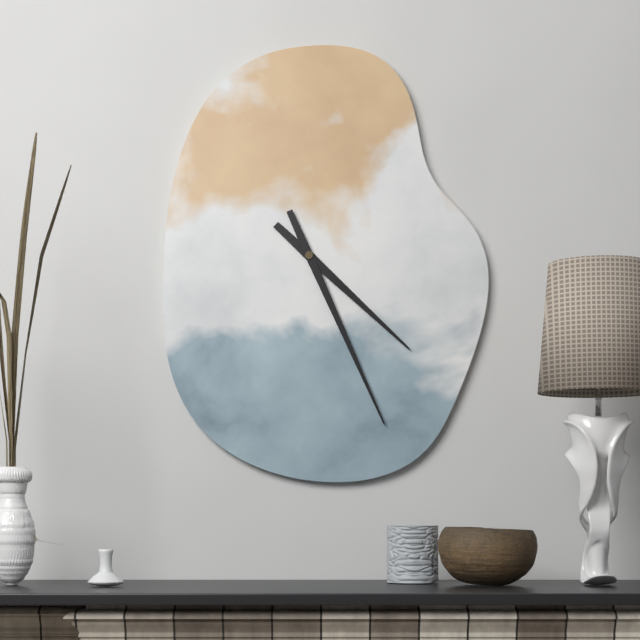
**4:26**
